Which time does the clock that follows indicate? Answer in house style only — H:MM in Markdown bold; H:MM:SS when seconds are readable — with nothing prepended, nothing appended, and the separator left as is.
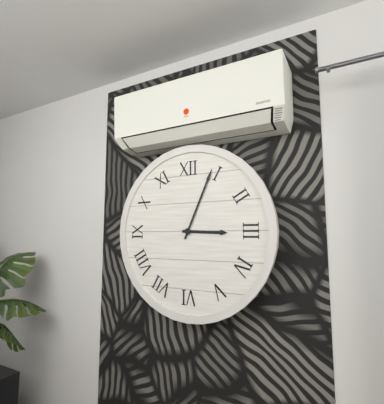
**3:04**
